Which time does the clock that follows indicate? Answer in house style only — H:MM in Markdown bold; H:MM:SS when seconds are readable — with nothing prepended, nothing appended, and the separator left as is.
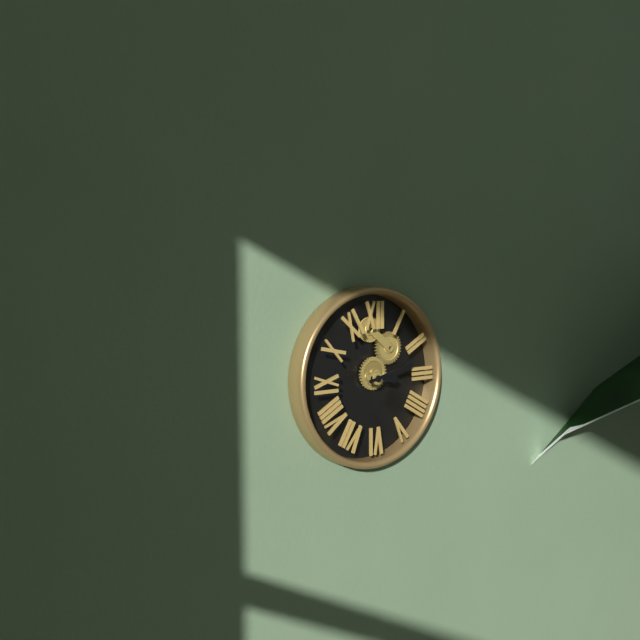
**3:13**
